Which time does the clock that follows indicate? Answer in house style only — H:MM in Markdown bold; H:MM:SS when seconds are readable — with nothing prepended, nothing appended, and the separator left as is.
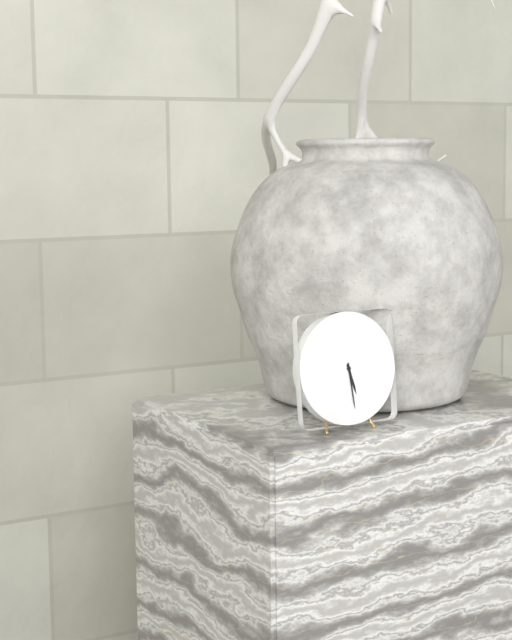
**5:29**
